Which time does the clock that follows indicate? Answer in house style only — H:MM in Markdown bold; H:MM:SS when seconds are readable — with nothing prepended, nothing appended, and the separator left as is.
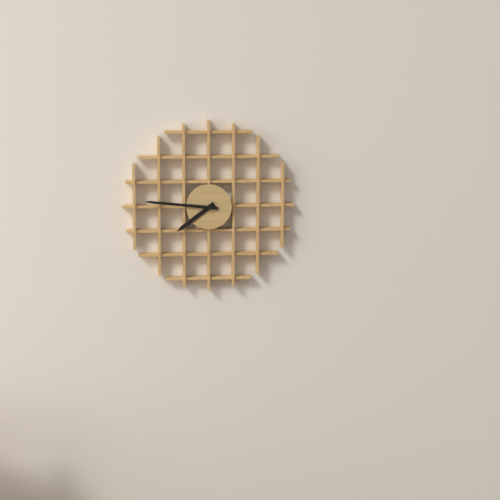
**7:46**
